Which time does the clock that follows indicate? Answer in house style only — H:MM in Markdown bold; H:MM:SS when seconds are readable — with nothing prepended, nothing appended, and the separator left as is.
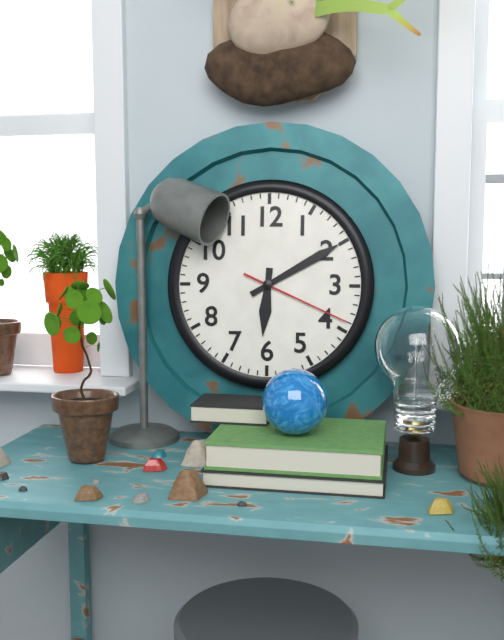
**6:10:19**
